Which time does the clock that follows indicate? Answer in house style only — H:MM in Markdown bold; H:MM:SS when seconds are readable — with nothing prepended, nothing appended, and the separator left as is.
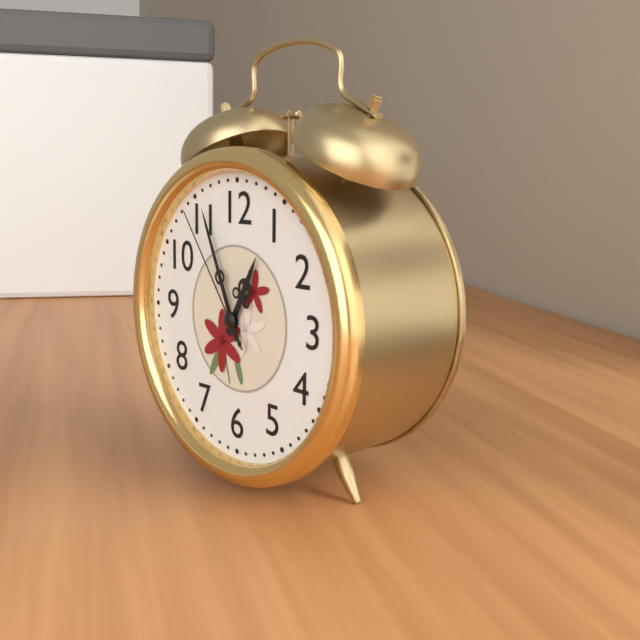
**12:56:54**
